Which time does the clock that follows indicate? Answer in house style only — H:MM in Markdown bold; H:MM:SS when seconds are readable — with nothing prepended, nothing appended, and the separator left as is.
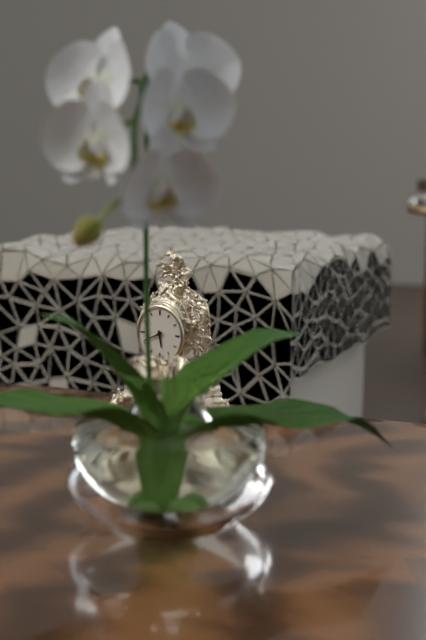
**5:41**
